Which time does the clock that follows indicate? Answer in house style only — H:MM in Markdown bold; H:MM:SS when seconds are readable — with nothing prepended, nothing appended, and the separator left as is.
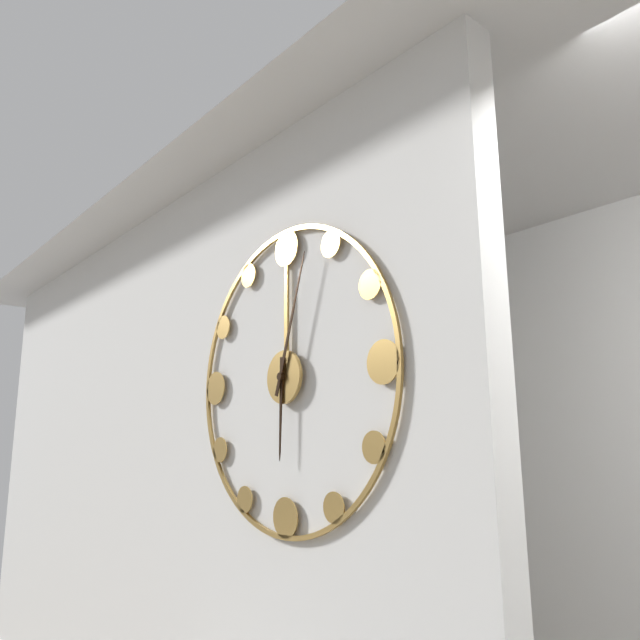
**6:03**
